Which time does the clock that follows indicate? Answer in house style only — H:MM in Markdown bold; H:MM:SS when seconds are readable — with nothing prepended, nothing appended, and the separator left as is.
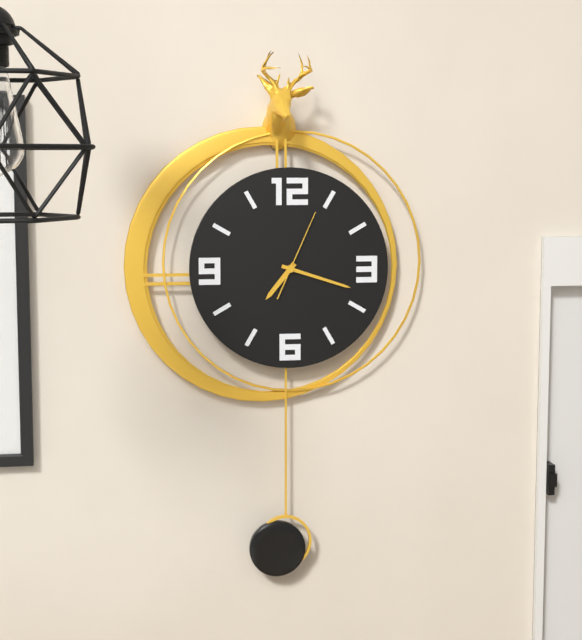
**7:18:04**
